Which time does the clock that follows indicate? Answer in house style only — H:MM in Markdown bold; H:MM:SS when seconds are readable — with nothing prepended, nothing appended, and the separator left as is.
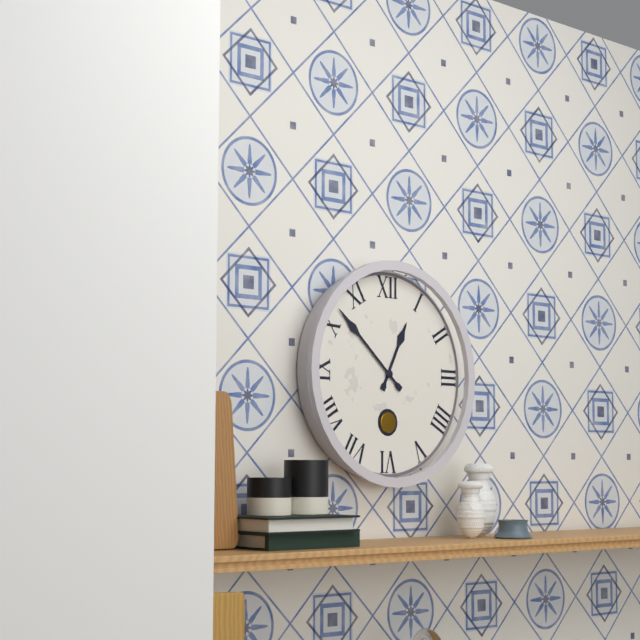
**12:52**
